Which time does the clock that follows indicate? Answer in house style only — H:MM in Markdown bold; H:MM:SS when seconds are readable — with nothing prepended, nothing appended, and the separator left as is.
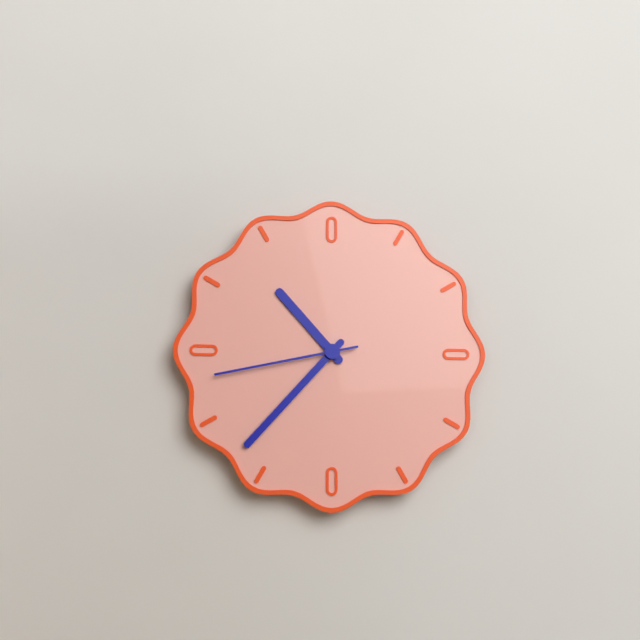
**10:37:43**
